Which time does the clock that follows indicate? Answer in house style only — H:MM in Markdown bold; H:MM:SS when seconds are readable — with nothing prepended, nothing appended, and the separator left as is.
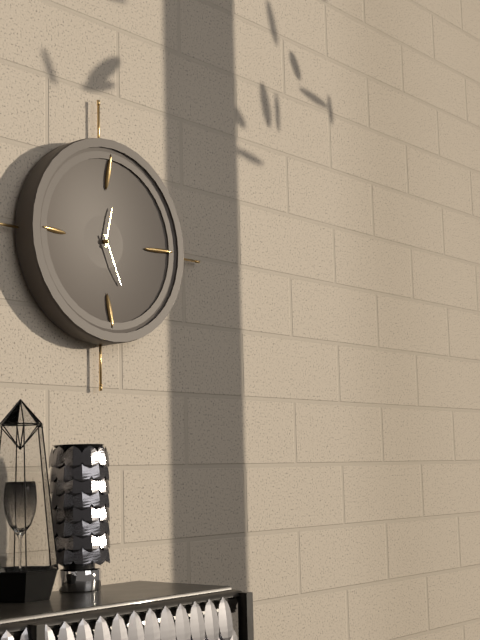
**12:26**
